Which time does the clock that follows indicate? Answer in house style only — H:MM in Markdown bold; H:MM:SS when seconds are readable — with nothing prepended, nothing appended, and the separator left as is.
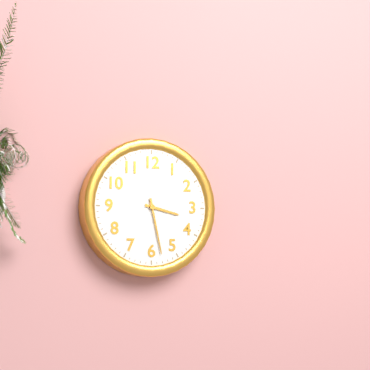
**3:28**
